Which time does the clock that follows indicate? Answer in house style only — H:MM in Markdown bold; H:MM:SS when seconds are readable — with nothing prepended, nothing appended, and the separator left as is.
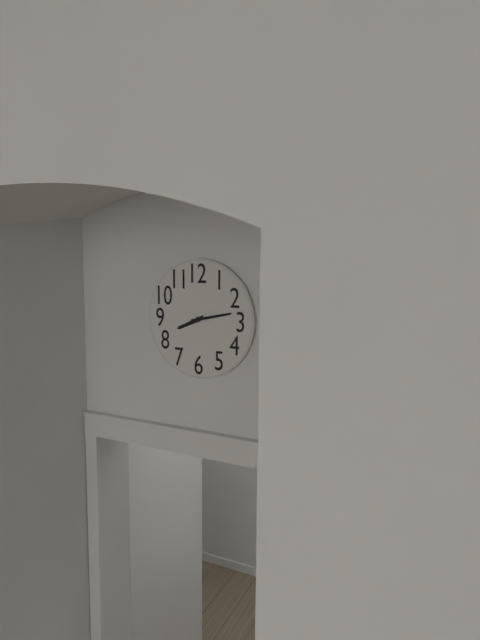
**8:13**
